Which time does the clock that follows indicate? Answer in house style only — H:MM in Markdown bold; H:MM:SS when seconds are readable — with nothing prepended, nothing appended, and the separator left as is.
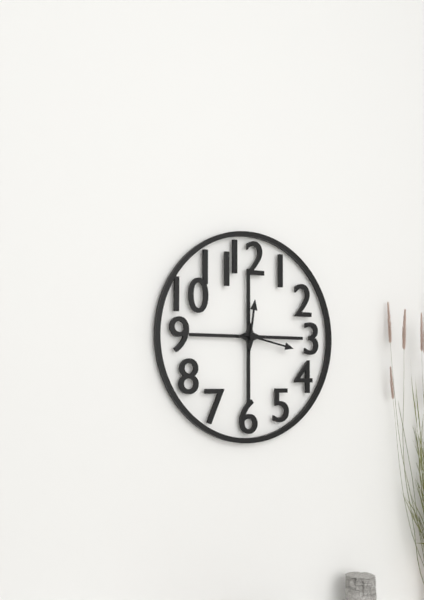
**12:17**
